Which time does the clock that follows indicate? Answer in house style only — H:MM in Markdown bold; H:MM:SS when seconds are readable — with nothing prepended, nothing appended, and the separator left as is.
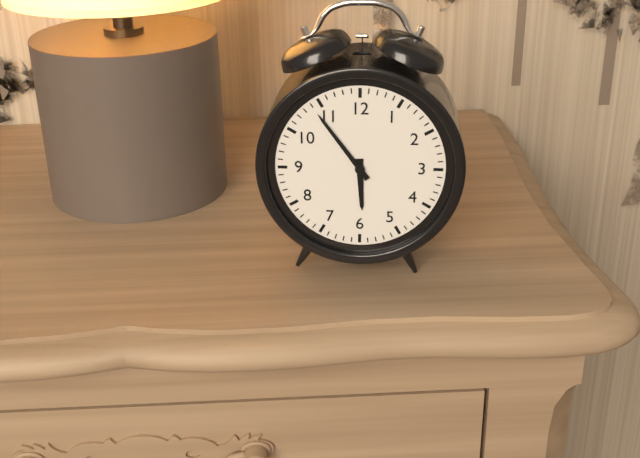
**5:54**
